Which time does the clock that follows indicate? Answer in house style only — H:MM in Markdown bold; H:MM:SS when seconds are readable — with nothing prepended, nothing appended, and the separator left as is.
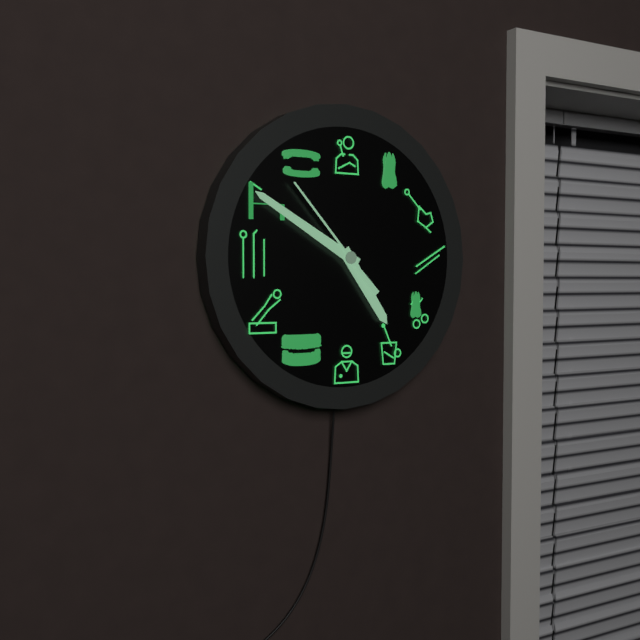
**4:50:53**
